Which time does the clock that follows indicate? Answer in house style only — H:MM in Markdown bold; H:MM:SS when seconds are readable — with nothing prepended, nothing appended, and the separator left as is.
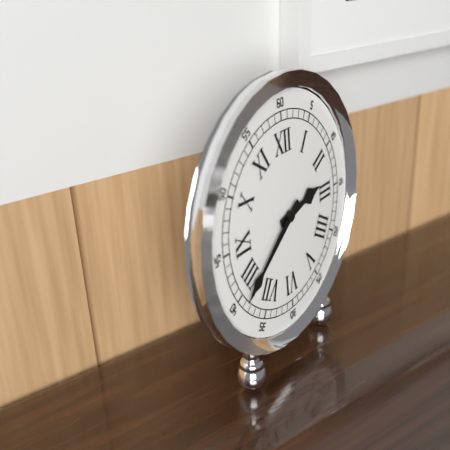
**2:39**
